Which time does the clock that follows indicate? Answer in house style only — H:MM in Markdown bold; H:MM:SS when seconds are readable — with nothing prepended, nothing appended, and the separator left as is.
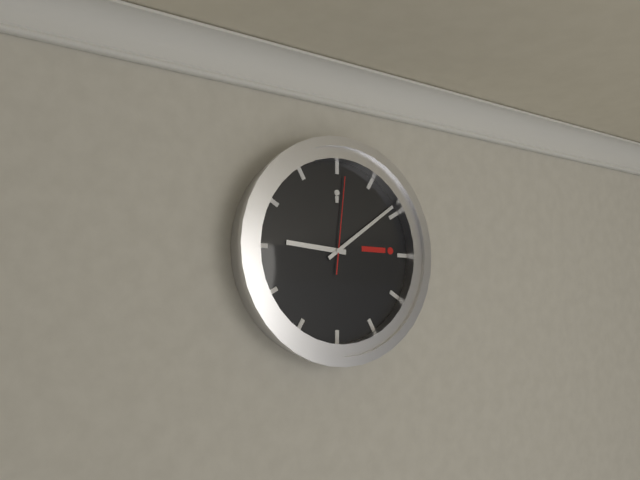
**9:09:01**
